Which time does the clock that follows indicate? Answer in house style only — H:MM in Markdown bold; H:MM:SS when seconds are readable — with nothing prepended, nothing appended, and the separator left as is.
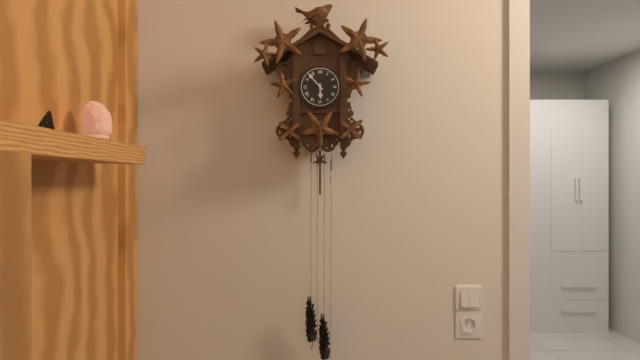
**5:53**
